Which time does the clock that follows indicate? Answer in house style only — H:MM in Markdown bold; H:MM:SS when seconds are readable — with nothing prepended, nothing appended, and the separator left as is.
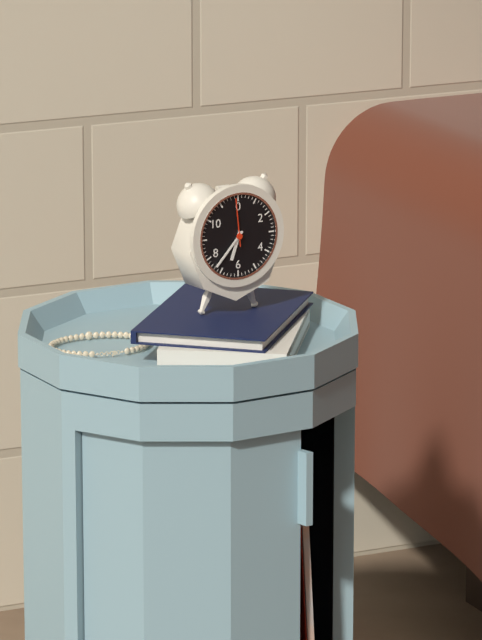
**6:37**
